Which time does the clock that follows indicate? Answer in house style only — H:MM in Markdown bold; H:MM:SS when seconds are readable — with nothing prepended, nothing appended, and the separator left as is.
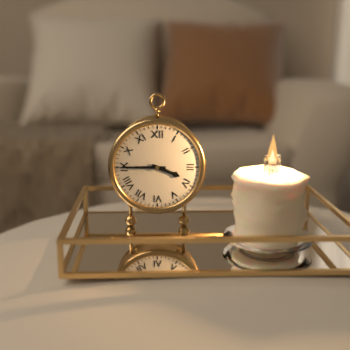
**3:45**
